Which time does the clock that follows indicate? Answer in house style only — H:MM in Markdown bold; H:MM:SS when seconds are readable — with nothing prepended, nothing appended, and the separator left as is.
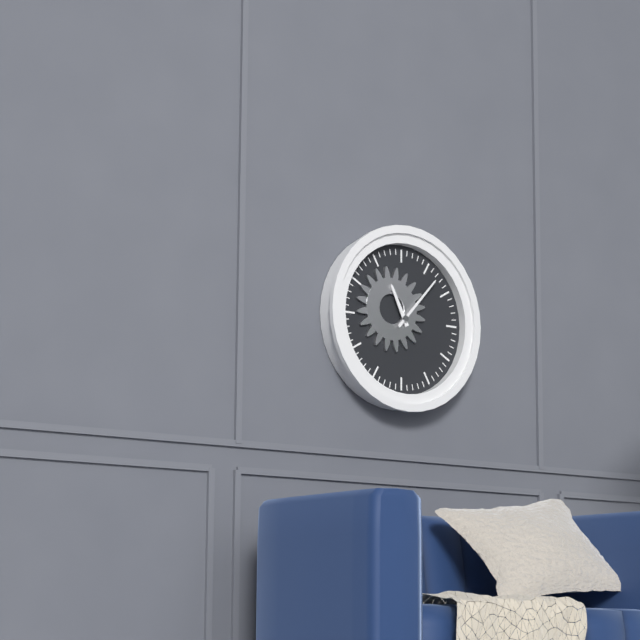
**11:07**
